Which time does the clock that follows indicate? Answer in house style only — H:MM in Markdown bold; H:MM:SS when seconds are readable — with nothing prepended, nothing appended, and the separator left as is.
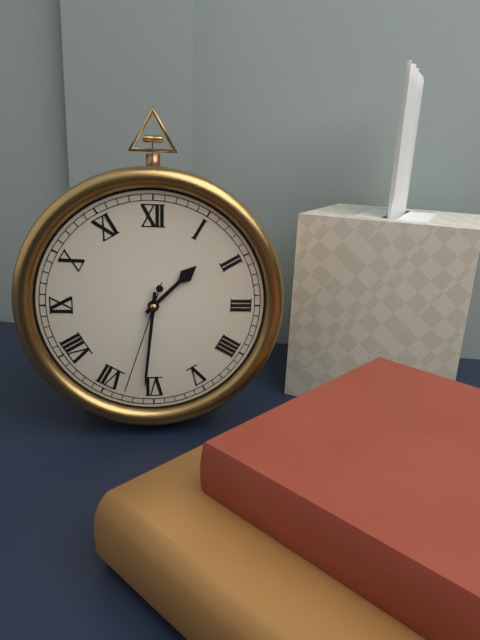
**1:31:33**
